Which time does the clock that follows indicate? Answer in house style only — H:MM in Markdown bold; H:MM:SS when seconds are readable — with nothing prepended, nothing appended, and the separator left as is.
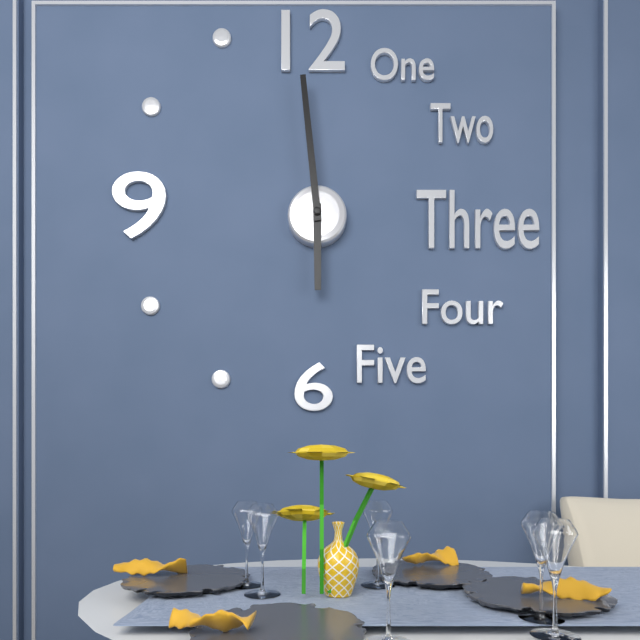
**5:59**
